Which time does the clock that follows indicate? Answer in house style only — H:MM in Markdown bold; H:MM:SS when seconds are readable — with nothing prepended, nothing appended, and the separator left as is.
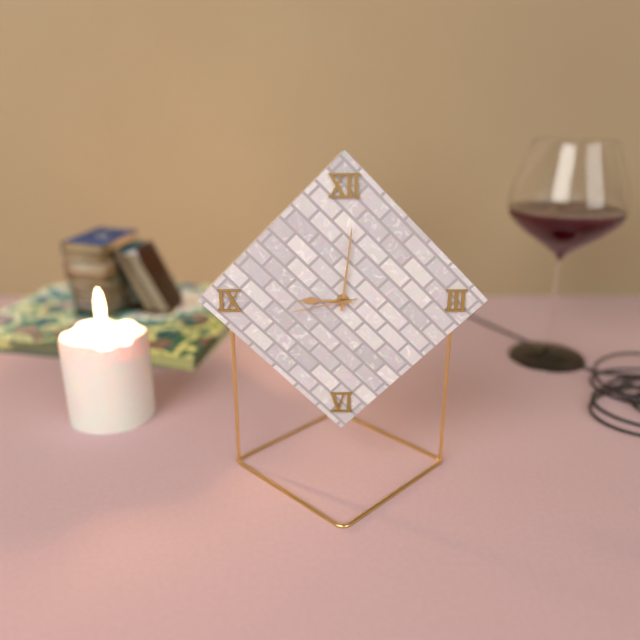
**9:01:43**
